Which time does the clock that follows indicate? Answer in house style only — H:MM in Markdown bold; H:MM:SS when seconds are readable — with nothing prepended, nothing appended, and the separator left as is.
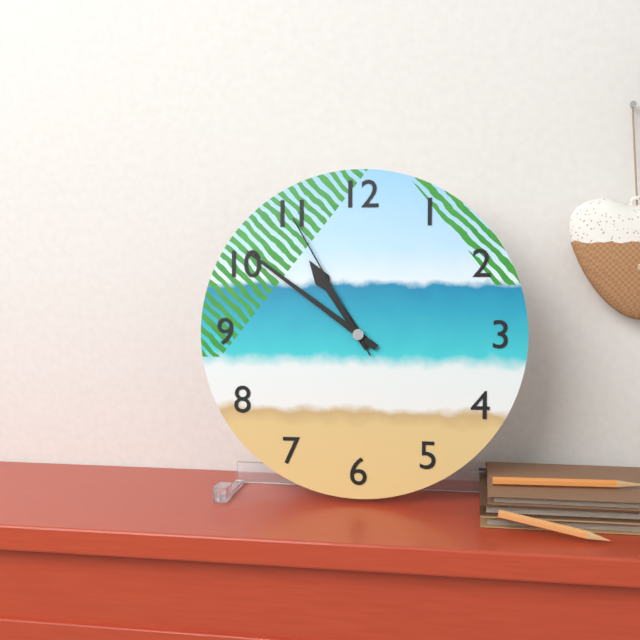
**10:51:55**
